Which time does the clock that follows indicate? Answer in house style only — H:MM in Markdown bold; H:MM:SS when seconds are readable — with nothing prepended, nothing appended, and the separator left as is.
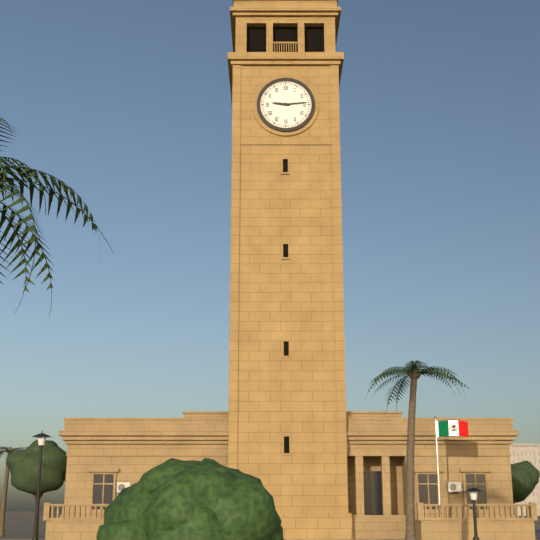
**9:14**
